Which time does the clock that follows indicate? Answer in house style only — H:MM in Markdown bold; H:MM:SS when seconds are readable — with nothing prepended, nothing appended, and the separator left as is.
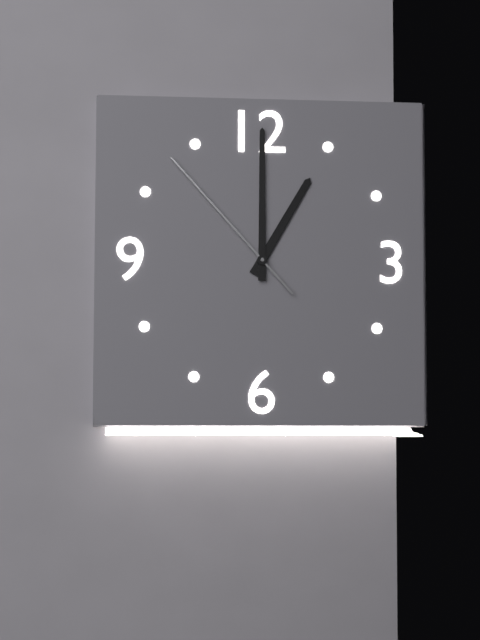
**1:00:53**
